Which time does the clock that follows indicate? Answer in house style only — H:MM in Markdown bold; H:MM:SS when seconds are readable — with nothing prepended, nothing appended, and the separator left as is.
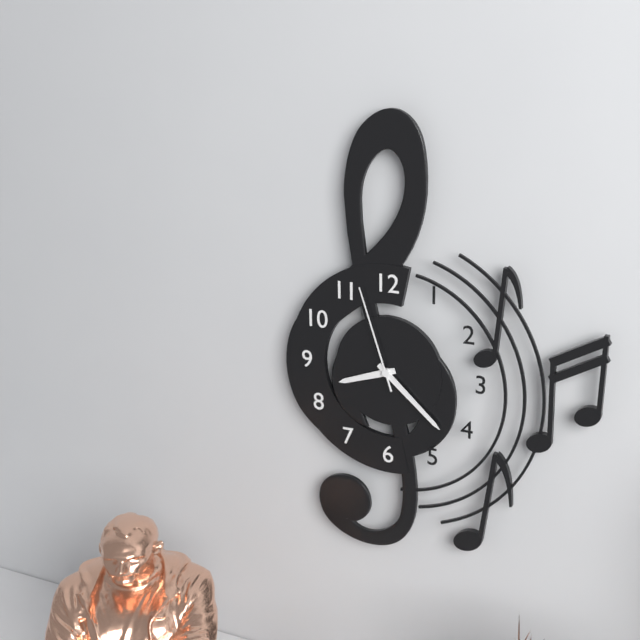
**8:22:57**
